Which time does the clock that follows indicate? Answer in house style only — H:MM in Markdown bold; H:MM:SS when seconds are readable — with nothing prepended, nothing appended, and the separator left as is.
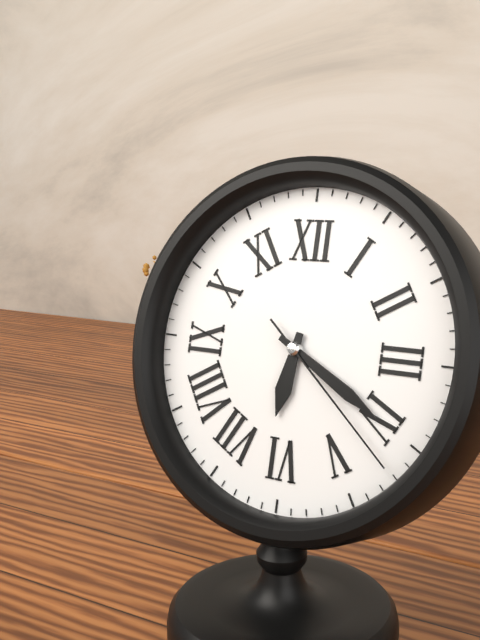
**6:20:22**
